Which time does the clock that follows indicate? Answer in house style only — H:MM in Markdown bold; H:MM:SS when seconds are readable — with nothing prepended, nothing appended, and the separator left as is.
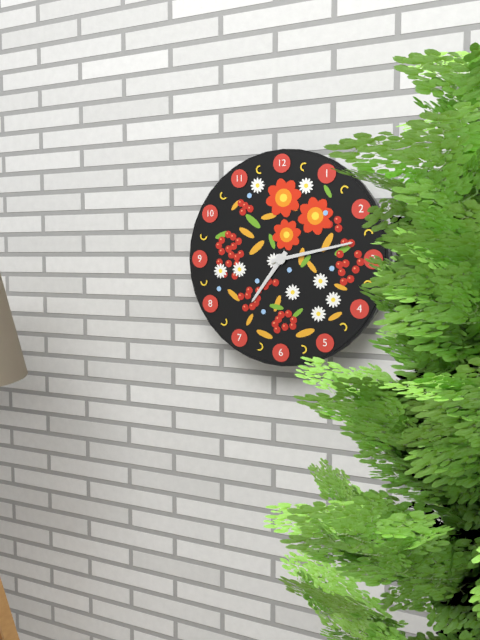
**7:13**
